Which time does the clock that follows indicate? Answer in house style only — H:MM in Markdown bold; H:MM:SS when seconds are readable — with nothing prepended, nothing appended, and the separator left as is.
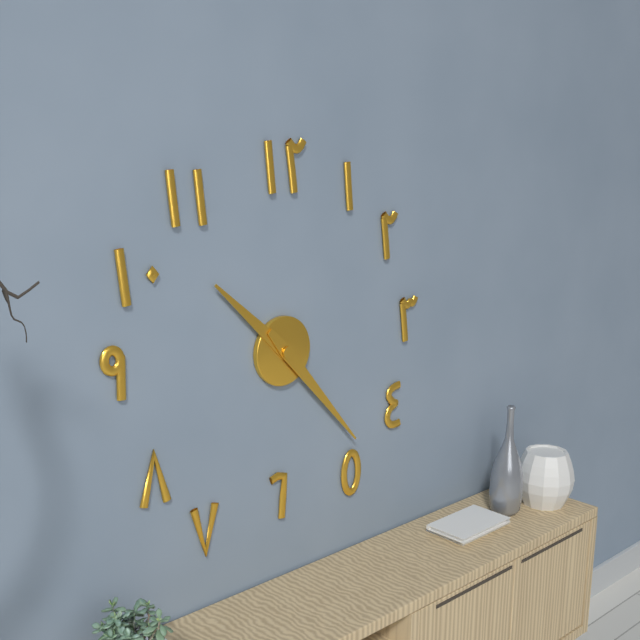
**10:23**
